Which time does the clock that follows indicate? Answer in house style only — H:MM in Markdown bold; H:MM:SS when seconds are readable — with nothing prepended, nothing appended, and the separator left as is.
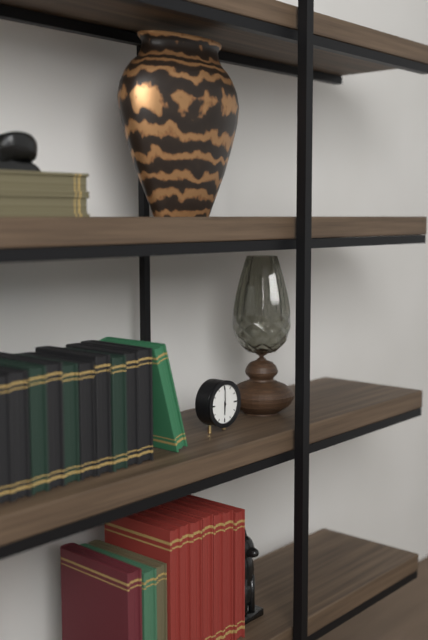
**6:00**
